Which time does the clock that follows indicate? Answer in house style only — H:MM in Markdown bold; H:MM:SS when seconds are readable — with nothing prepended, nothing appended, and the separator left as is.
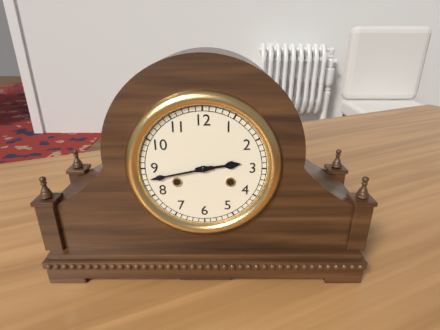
**2:43**
